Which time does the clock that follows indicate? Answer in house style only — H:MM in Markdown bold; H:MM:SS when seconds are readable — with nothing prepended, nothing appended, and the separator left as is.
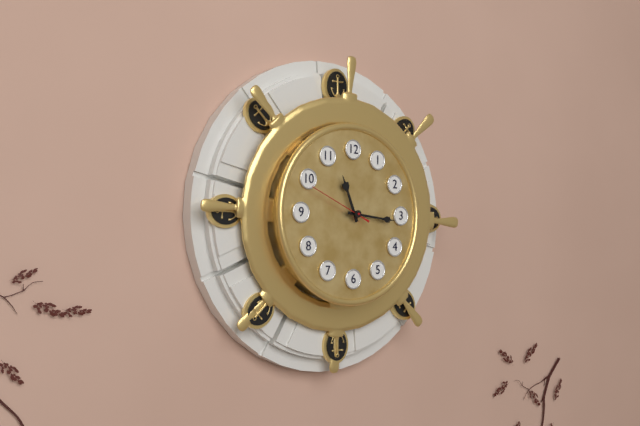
**11:16:49**
